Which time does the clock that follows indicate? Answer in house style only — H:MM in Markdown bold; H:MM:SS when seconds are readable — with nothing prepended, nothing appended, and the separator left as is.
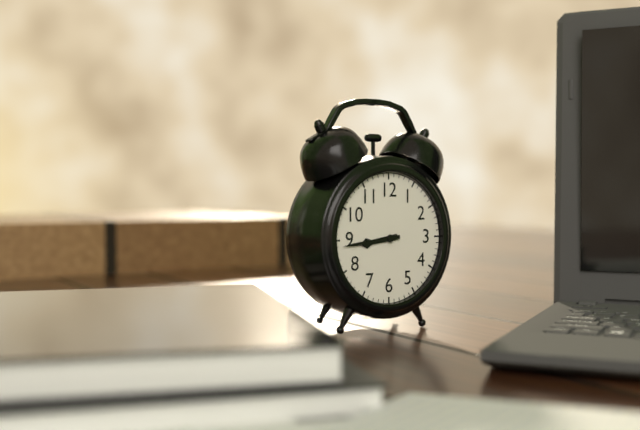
**8:44**
